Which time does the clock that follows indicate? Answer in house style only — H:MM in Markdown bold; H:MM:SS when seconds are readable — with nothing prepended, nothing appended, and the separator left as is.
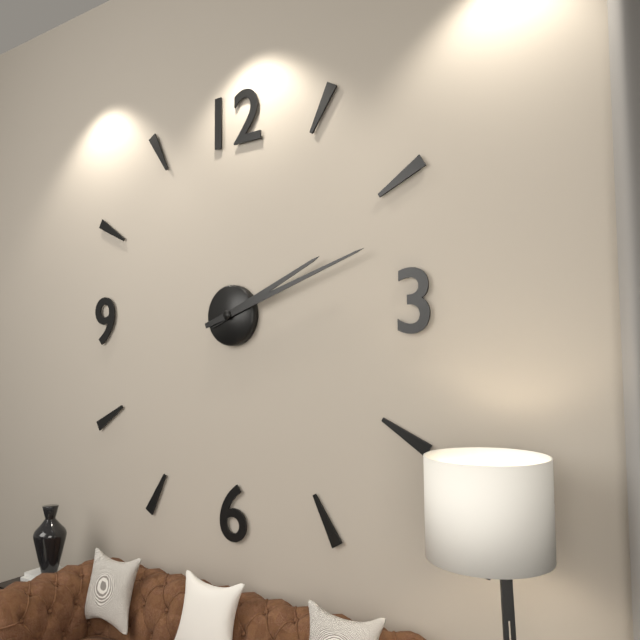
**2:12**
